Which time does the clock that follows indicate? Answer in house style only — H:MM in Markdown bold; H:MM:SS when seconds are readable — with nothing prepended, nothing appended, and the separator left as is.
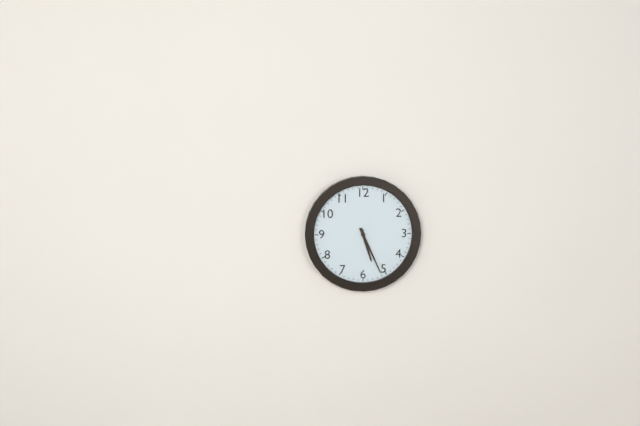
**5:26**
